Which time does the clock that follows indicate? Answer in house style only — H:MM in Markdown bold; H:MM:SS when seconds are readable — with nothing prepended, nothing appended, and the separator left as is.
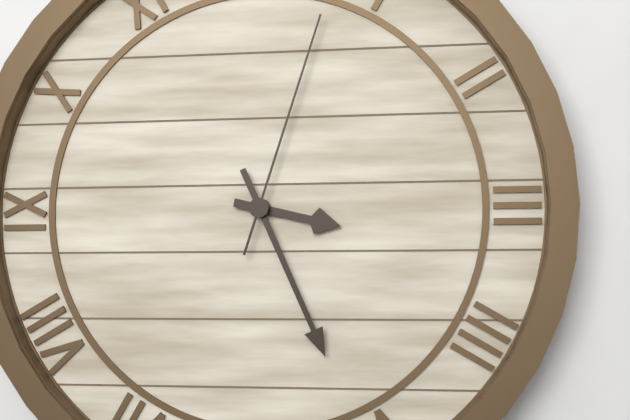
**3:26:03**
